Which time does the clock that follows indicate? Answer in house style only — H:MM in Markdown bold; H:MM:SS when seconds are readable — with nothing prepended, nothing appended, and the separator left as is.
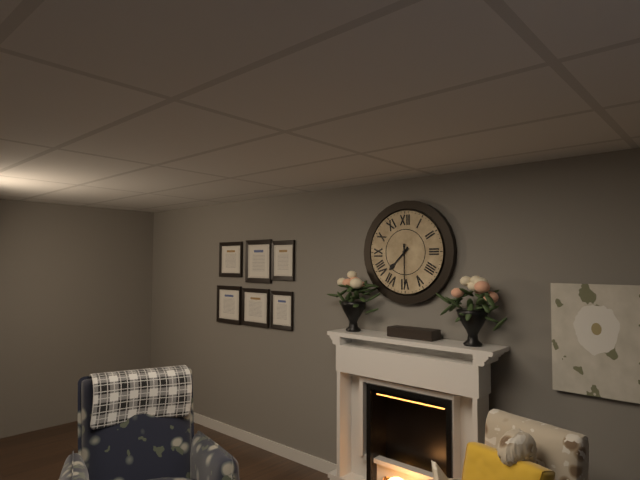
**7:30**
